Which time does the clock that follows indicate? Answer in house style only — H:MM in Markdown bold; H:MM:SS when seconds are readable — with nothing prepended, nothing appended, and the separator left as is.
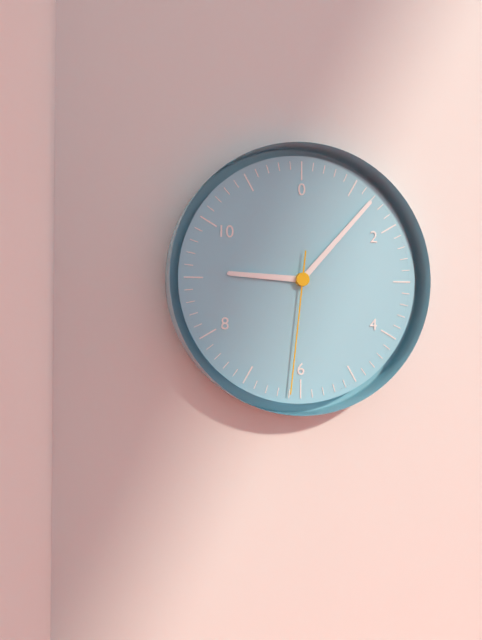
**9:07:31**
